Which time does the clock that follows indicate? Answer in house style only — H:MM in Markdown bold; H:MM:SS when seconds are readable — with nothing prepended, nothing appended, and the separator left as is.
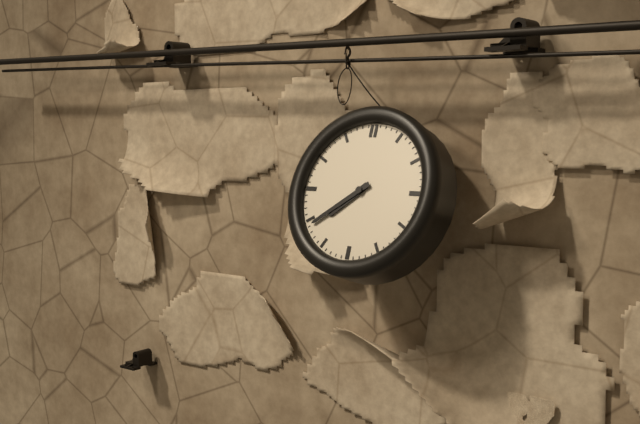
**7:39**
